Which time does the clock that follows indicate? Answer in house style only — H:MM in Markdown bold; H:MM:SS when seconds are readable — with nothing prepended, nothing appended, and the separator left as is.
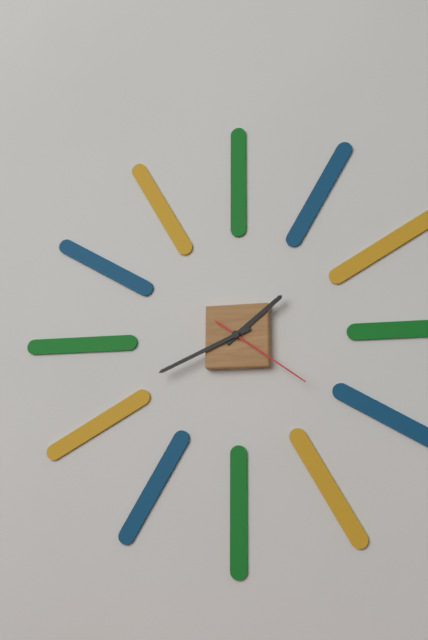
**1:41:21**
